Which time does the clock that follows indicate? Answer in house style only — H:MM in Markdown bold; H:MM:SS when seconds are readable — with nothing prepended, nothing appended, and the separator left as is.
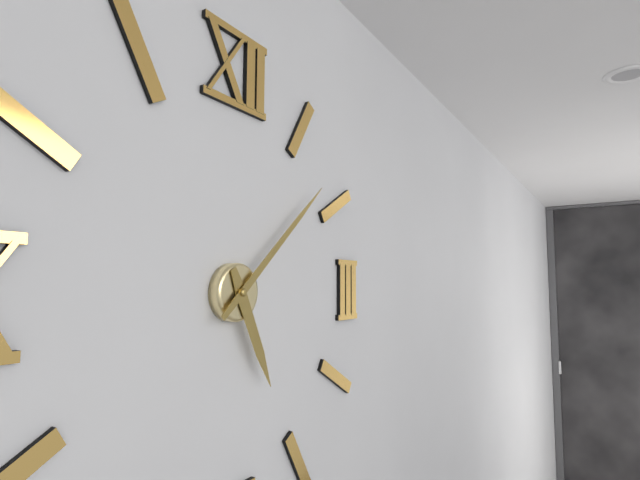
**5:08**
